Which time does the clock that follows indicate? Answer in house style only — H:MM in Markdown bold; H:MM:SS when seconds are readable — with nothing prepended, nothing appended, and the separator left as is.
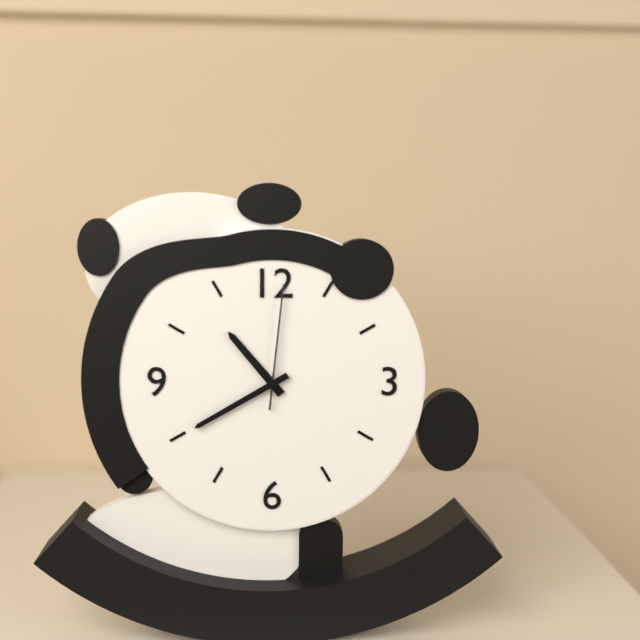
**10:40:01**
